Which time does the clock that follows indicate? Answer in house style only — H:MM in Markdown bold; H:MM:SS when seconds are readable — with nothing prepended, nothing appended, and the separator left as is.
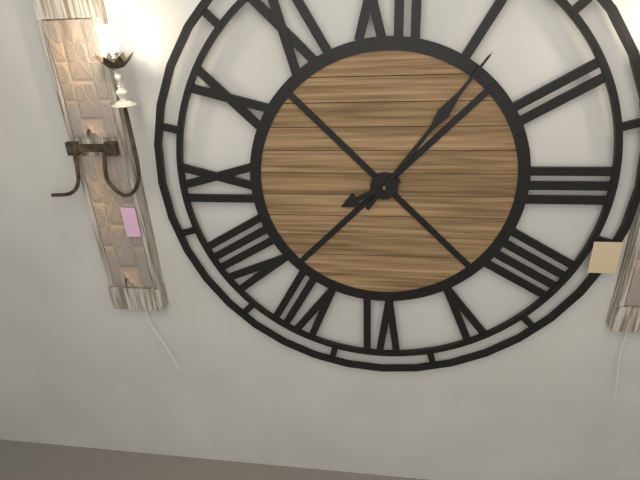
**8:06**
